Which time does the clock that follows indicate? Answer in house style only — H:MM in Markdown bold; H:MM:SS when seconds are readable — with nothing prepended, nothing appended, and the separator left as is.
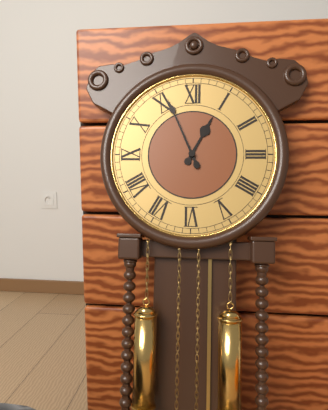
**12:56**
